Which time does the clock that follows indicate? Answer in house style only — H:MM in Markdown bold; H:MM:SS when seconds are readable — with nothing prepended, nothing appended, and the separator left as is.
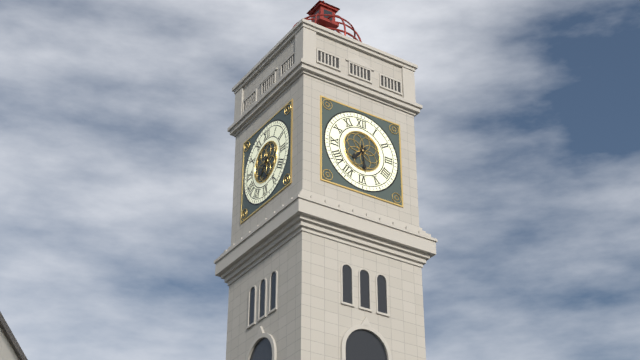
**7:29**
